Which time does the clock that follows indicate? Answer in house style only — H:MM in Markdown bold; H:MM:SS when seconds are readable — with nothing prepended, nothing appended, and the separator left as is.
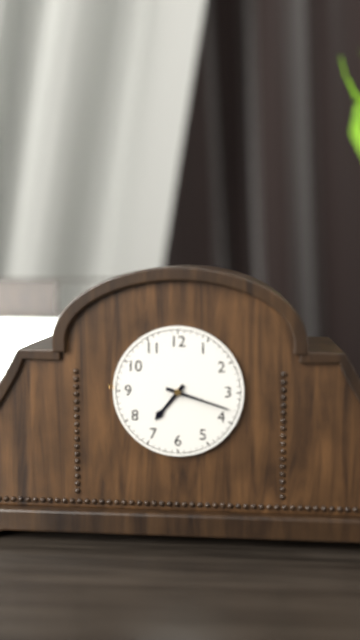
**7:18**
